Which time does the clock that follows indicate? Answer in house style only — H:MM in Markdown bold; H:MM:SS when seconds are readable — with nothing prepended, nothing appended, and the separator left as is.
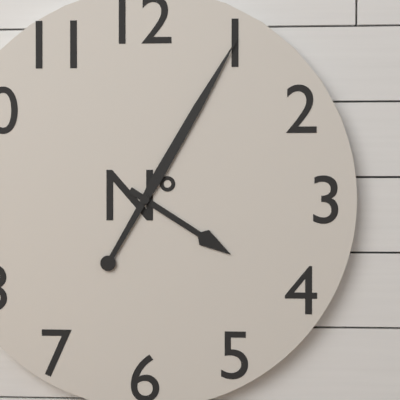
**4:05**
